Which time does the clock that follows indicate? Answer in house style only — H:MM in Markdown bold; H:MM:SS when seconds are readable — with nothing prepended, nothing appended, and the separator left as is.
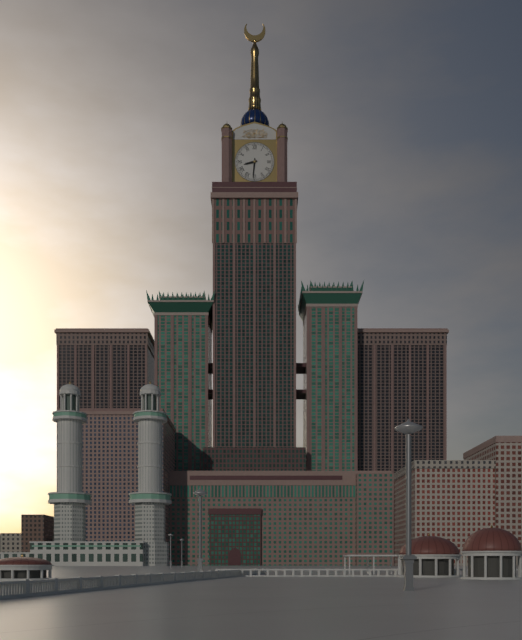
**8:31**
